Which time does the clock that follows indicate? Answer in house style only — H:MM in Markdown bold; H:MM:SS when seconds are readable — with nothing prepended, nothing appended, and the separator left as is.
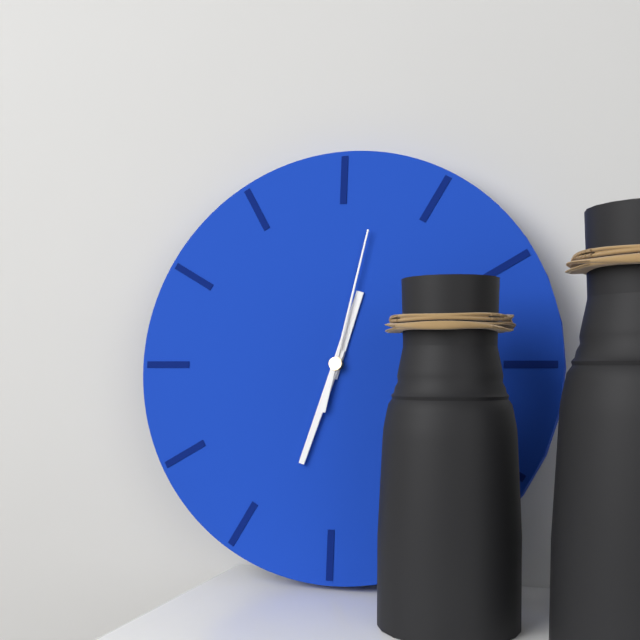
**12:33:02**
